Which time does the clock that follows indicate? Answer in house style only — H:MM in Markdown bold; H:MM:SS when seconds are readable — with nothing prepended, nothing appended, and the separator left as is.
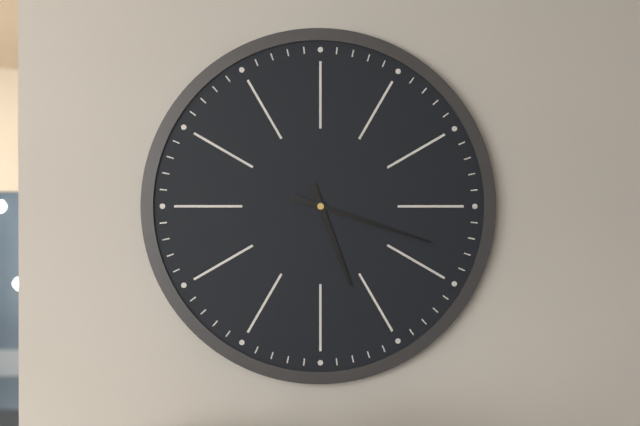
**5:18**
